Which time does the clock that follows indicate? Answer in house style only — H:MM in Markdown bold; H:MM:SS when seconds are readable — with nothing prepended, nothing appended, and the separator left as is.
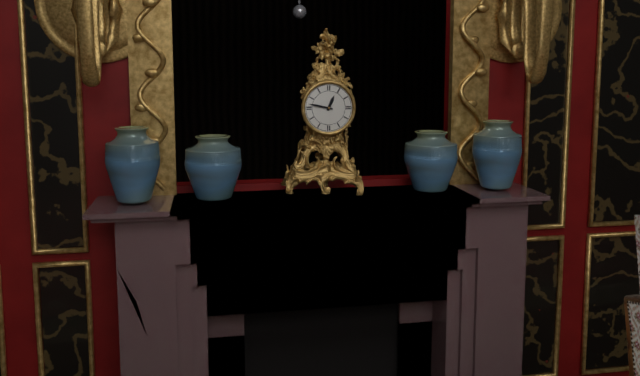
**12:47**
